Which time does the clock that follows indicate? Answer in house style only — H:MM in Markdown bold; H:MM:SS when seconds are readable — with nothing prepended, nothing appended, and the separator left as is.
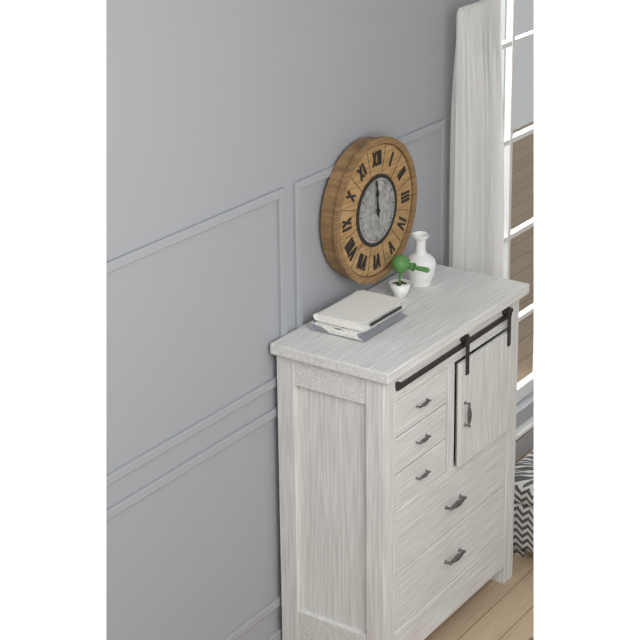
**11:59**
